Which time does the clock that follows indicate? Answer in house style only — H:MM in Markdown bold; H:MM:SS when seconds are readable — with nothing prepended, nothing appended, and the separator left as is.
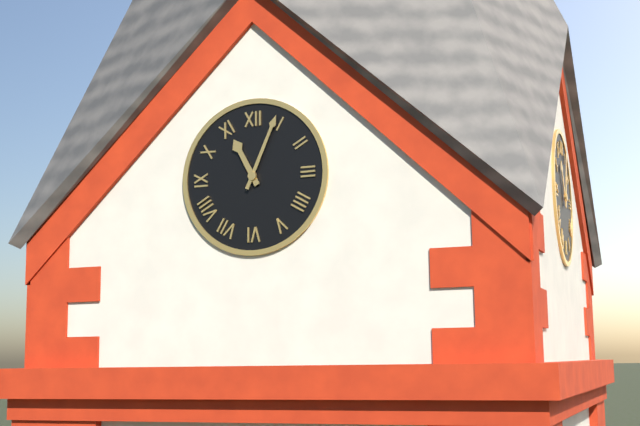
**11:04**
